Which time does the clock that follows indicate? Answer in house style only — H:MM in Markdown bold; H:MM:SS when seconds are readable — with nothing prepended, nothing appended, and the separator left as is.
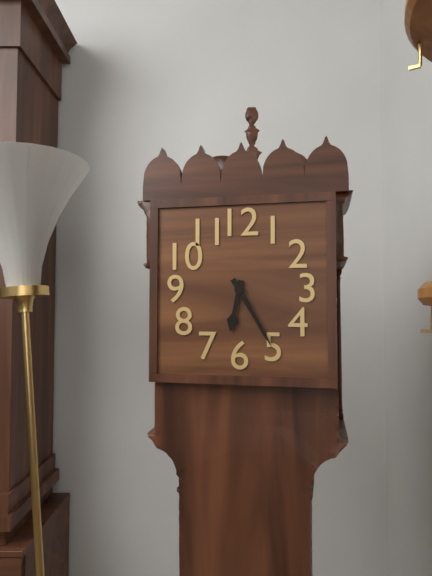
**6:25**
